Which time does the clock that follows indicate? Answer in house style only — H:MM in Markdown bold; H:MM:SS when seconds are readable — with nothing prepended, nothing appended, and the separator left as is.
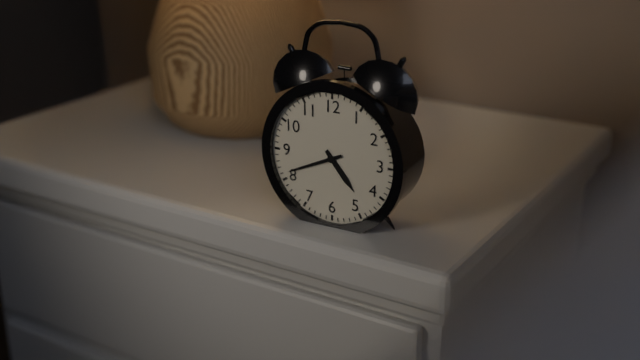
**4:41**
